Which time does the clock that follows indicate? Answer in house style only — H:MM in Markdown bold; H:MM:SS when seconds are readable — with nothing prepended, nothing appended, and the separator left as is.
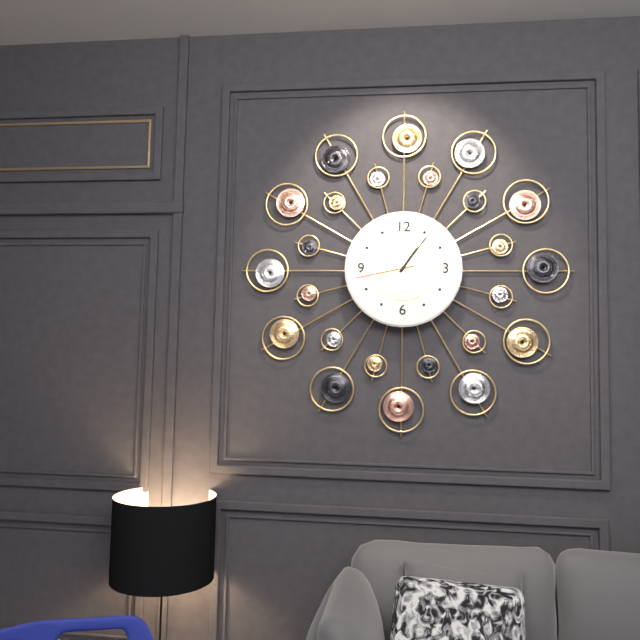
**1:06:43**
